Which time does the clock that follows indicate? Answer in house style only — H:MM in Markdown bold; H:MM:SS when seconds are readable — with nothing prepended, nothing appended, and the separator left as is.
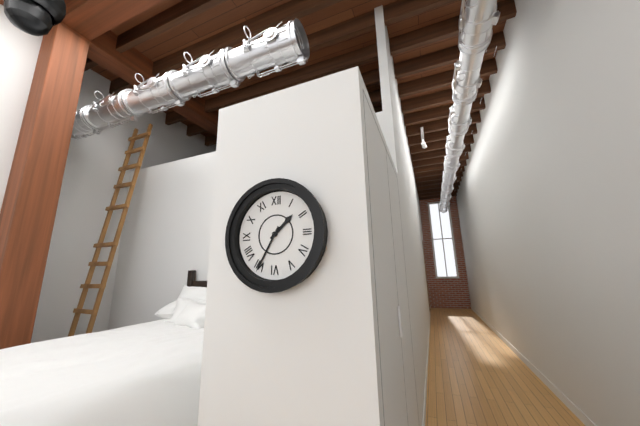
**1:35**
